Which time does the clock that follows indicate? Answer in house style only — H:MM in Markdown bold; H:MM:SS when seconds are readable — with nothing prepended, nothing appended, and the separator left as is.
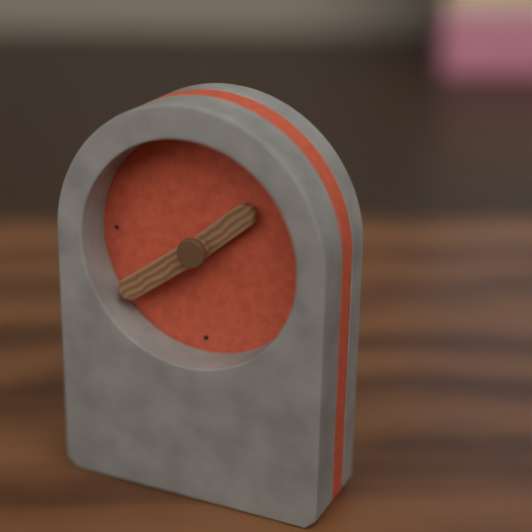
**1:39**
